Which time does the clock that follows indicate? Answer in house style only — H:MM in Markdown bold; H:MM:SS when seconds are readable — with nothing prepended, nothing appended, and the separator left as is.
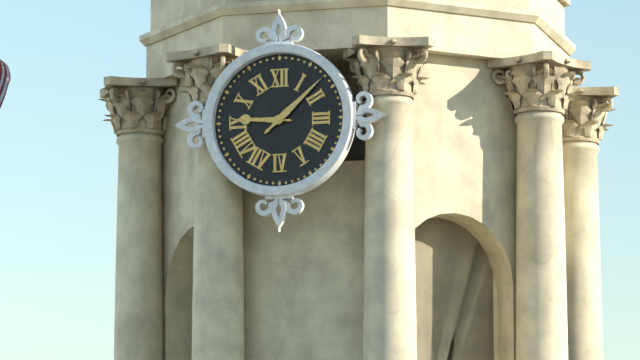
**9:08**
